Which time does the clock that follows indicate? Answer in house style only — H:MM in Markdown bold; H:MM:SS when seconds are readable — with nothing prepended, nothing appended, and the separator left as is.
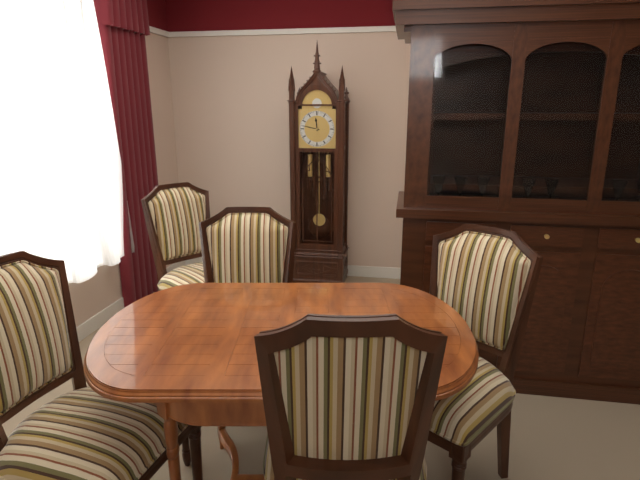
**11:47**
